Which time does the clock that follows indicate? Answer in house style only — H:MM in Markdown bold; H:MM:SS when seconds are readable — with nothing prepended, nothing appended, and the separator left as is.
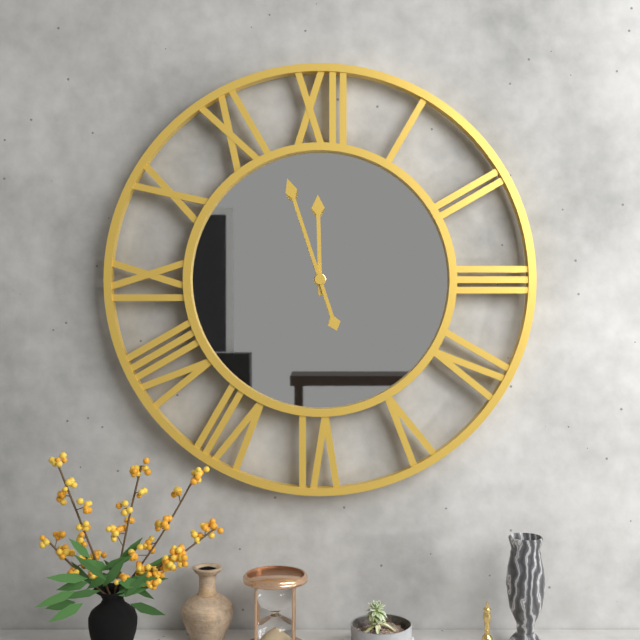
**11:57**
